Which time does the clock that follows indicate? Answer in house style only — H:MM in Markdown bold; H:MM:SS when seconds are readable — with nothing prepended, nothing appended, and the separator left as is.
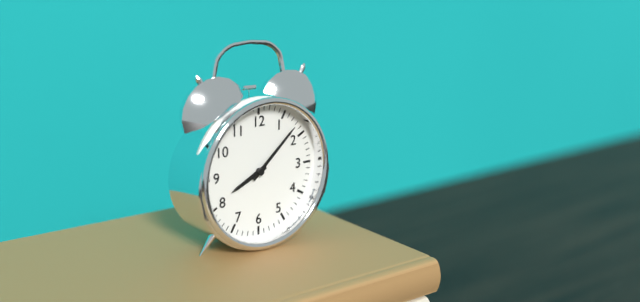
**8:08**
